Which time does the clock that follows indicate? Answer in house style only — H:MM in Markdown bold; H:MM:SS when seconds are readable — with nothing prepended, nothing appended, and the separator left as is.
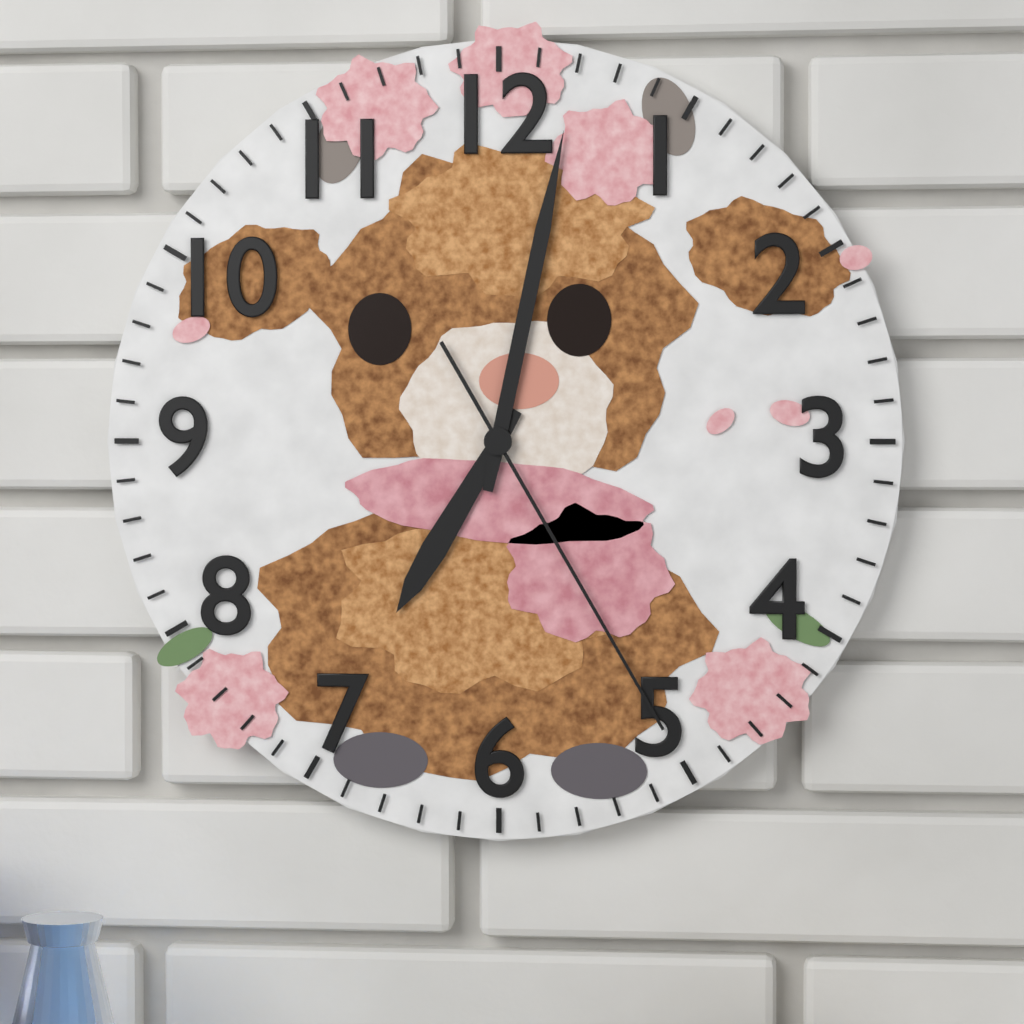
**7:02:25**
